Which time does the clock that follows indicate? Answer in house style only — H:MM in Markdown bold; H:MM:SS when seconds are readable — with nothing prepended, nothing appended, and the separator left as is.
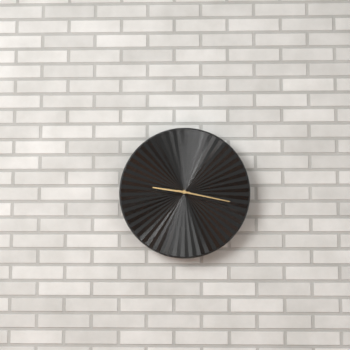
**9:17**
